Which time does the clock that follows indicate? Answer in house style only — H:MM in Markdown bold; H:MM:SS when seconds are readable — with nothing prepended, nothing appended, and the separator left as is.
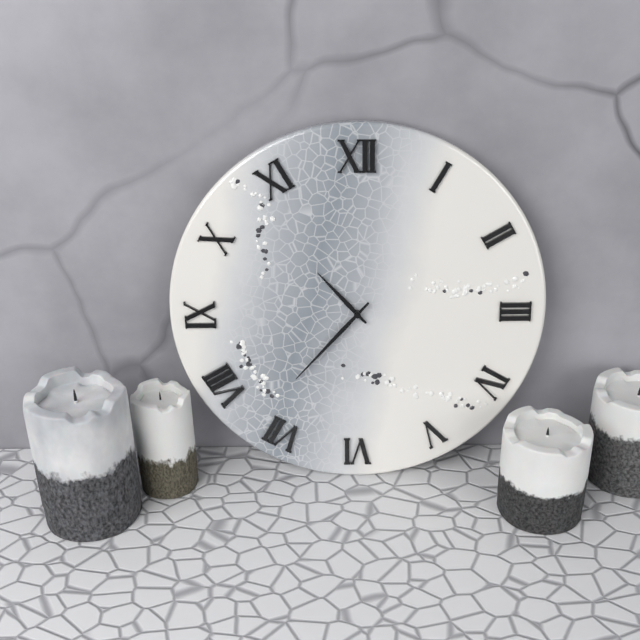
**10:37**
